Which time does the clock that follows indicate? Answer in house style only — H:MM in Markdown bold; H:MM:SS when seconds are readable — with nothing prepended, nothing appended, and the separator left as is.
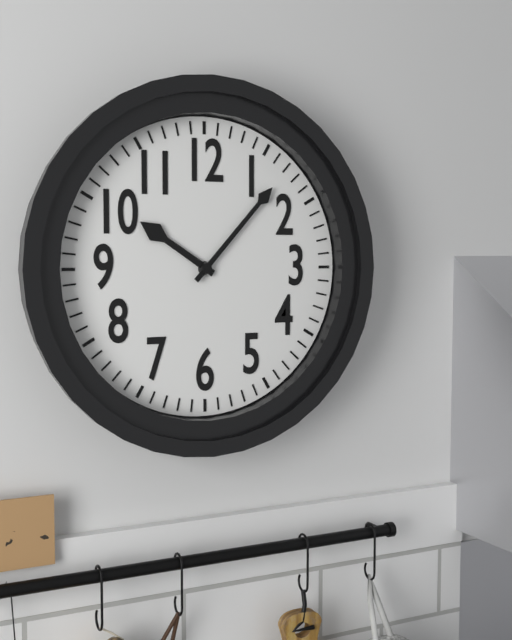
**10:07**
